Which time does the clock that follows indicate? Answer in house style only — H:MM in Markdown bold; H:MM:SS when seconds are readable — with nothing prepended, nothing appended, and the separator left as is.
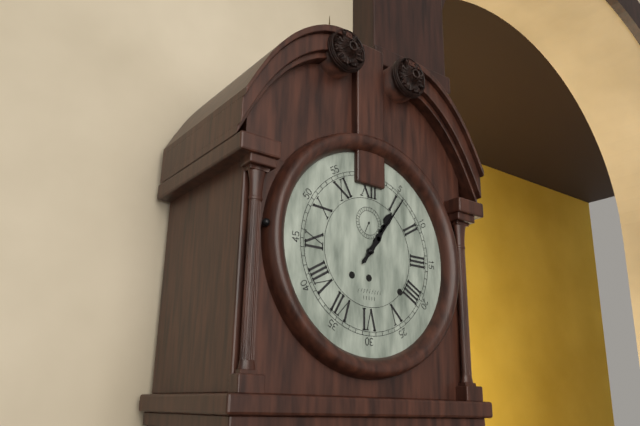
**1:06**
